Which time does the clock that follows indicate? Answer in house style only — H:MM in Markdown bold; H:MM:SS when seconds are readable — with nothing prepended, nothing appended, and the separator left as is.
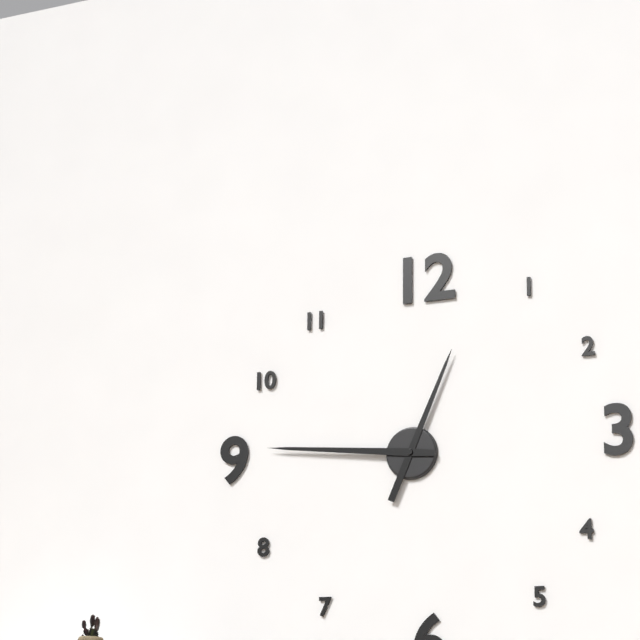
**12:46**
